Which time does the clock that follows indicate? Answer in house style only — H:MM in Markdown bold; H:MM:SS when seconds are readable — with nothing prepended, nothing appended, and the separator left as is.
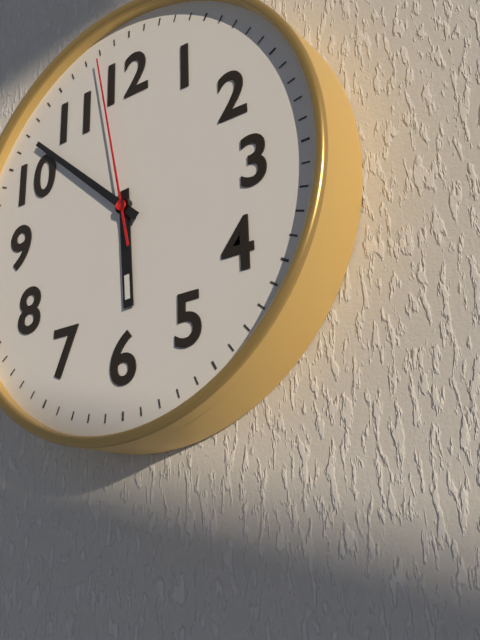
**5:52:58**
